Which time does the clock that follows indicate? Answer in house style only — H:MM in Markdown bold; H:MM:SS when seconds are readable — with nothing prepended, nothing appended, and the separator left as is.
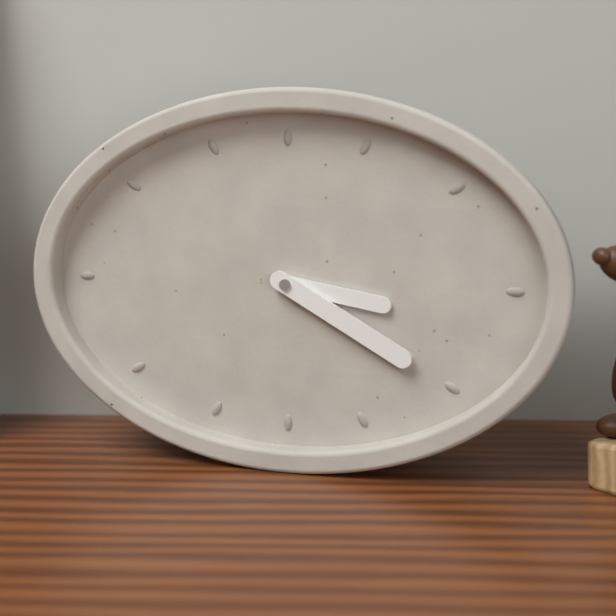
**3:20**
